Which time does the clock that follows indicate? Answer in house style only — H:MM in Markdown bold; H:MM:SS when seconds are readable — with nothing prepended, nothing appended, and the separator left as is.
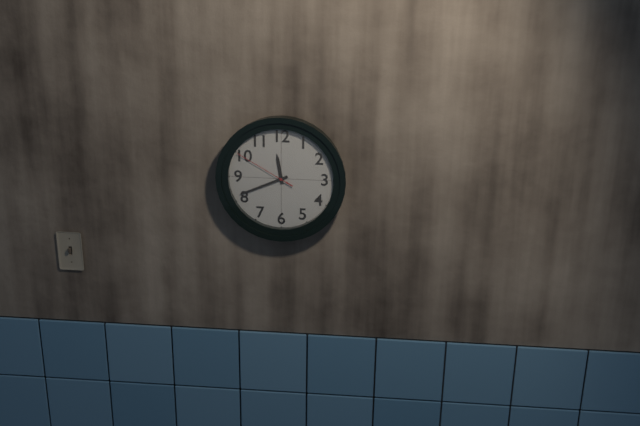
**11:41:50**
